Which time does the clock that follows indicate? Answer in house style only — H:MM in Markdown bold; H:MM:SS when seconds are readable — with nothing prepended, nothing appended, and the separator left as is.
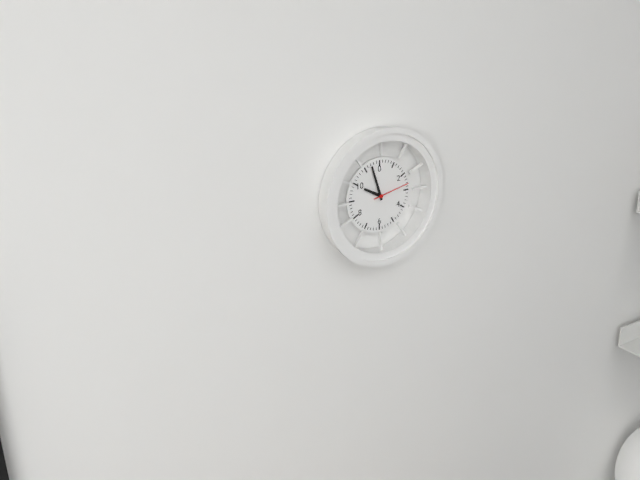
**9:57**
